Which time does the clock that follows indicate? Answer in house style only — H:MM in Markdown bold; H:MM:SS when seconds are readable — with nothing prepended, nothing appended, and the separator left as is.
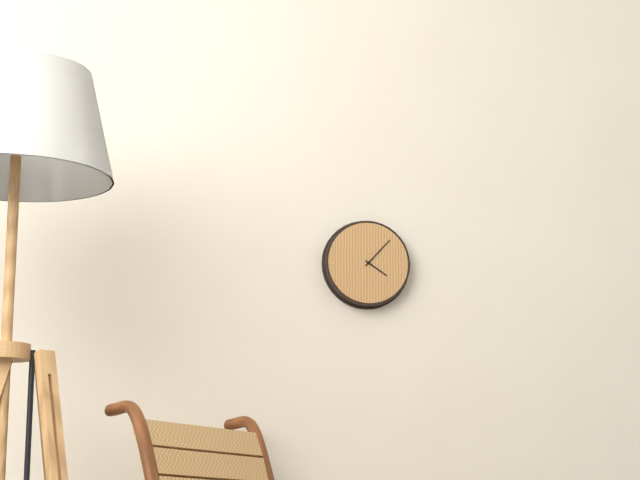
**4:07**
